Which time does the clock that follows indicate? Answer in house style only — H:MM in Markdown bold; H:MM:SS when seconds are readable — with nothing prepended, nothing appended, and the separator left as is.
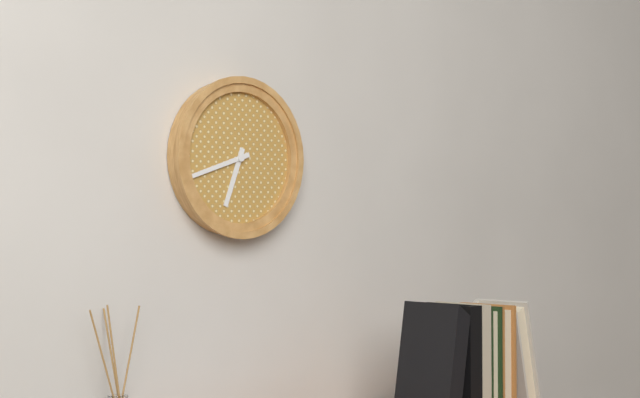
**6:42**
